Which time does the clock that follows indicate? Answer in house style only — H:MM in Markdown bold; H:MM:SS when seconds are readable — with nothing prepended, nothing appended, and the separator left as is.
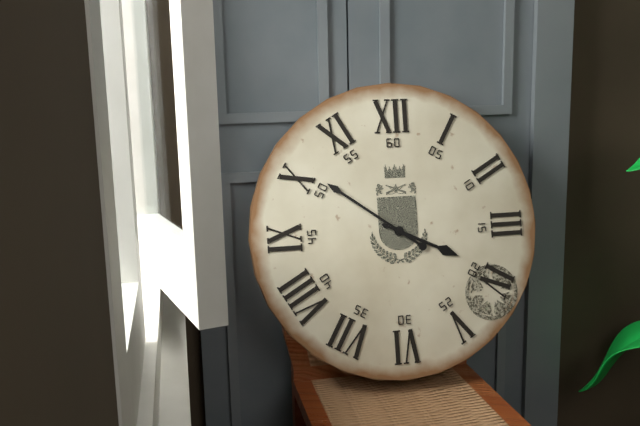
**3:51**
